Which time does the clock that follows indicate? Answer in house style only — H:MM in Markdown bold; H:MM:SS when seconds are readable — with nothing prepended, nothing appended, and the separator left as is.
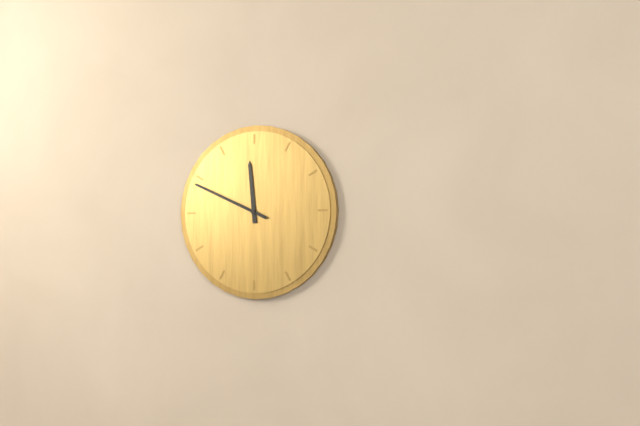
**11:49**
